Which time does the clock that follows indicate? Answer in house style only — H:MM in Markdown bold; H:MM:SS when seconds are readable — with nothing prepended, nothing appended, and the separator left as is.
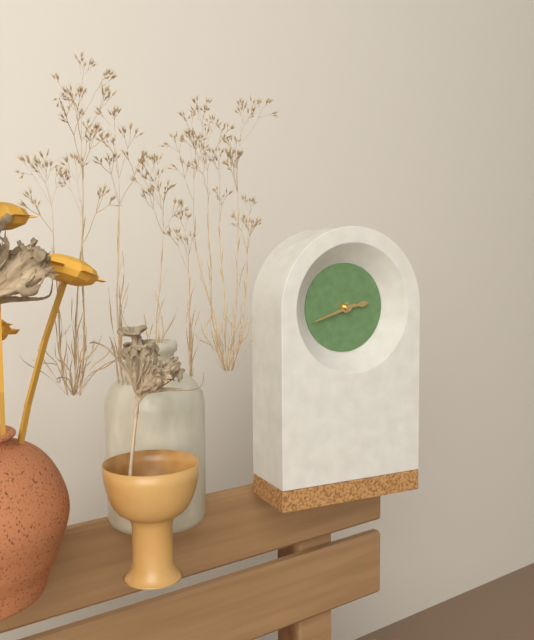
**2:42**
